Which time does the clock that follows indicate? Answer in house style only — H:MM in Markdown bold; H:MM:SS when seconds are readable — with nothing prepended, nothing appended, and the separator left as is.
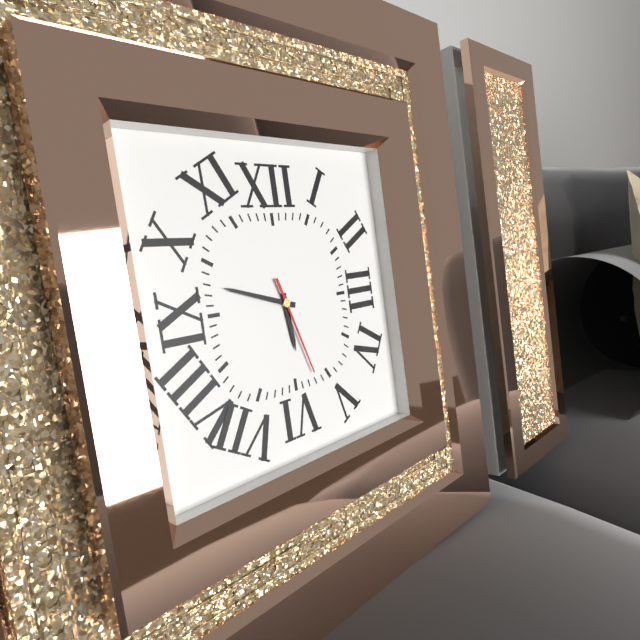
**5:48:27**
